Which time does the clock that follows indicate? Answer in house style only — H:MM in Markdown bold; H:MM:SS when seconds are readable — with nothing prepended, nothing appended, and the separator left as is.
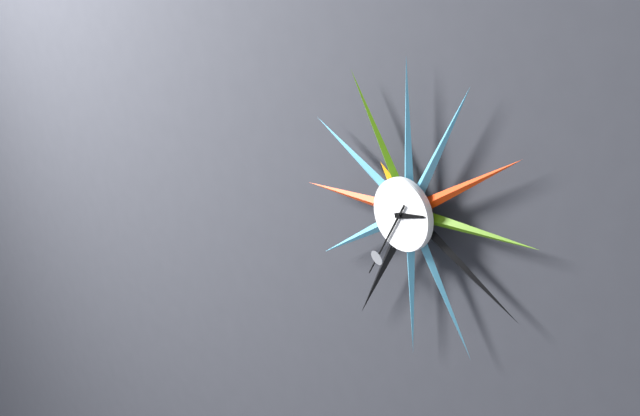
**2:35**
